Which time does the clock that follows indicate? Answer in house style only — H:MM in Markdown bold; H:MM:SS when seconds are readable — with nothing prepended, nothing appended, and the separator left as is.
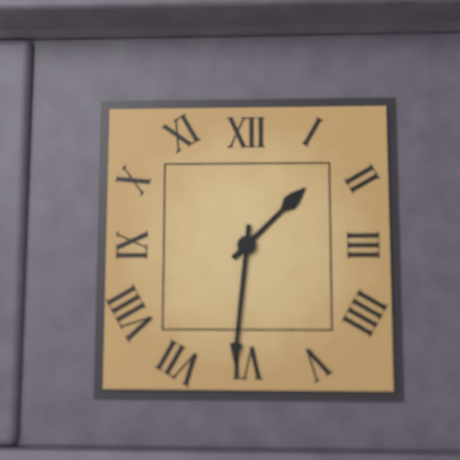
**1:31**
